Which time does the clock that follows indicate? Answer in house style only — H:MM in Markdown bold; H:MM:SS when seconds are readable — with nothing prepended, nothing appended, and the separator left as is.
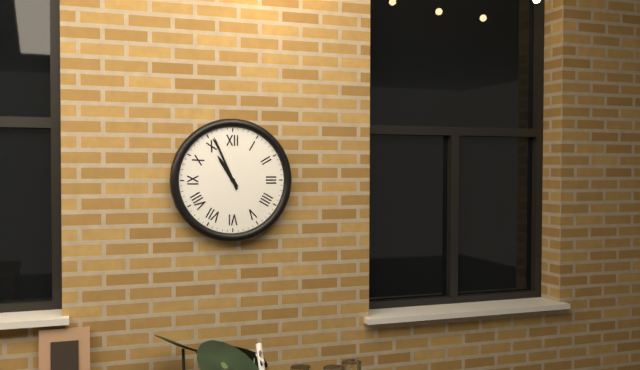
**10:56**
